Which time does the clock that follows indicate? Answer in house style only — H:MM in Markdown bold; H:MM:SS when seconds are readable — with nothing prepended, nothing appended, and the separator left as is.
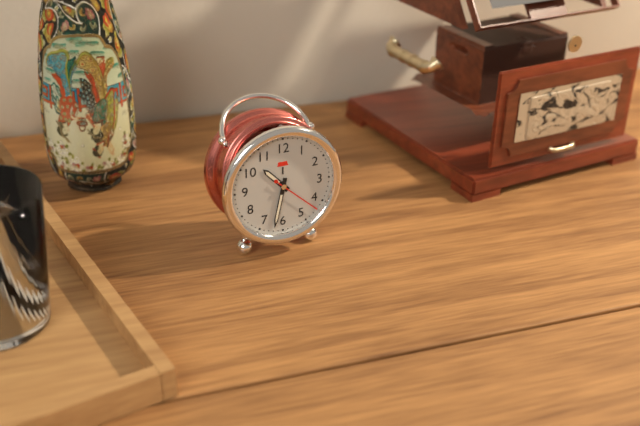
**10:32:22**
